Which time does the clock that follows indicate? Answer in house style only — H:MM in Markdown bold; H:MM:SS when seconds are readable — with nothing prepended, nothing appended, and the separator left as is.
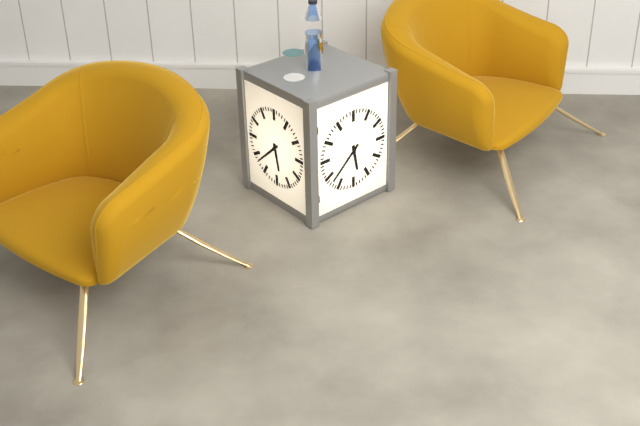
**5:38**
